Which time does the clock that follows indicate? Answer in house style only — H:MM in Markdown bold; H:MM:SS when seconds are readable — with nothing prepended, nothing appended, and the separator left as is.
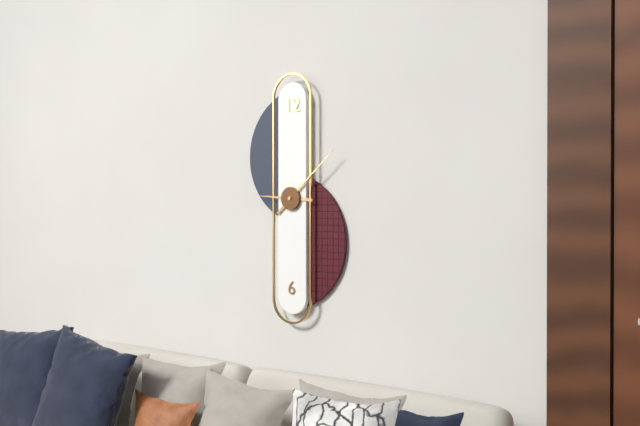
**9:08**
